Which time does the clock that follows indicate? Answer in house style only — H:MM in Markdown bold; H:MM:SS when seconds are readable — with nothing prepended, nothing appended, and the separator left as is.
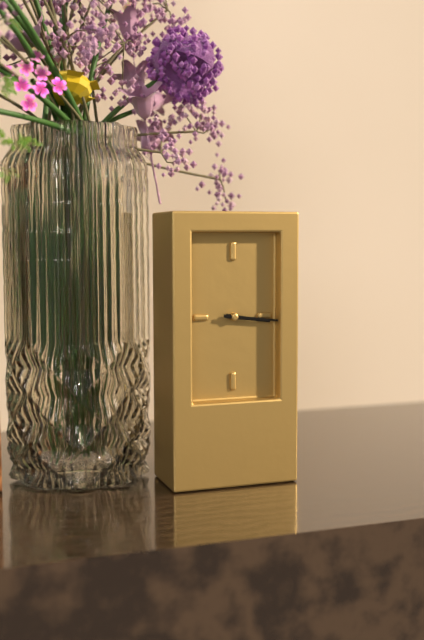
**3:16**
